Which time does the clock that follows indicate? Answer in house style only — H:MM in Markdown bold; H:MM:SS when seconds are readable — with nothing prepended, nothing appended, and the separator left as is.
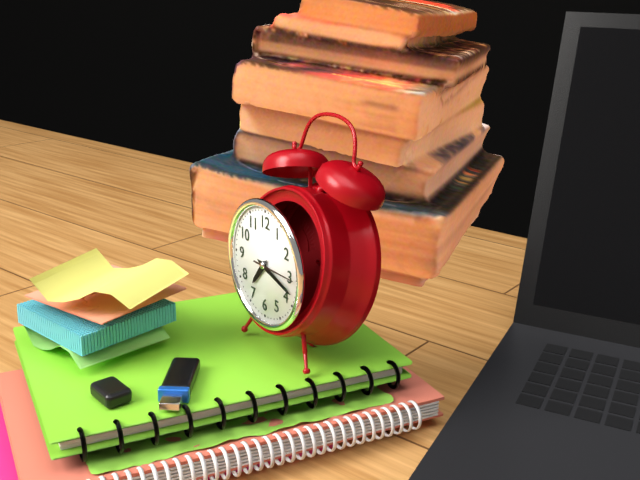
**7:18**
